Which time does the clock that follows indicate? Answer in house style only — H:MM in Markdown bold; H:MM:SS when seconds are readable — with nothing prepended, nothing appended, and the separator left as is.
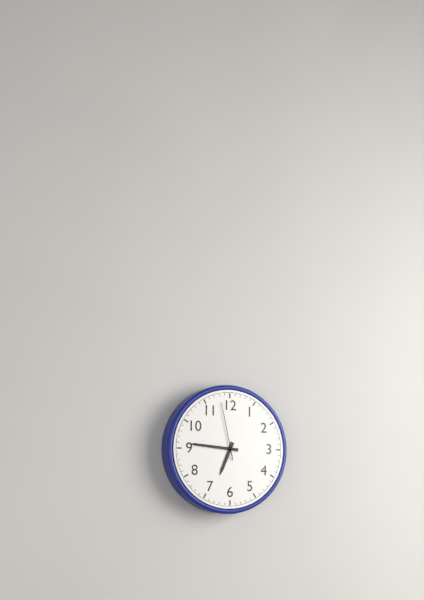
**6:46:58**
